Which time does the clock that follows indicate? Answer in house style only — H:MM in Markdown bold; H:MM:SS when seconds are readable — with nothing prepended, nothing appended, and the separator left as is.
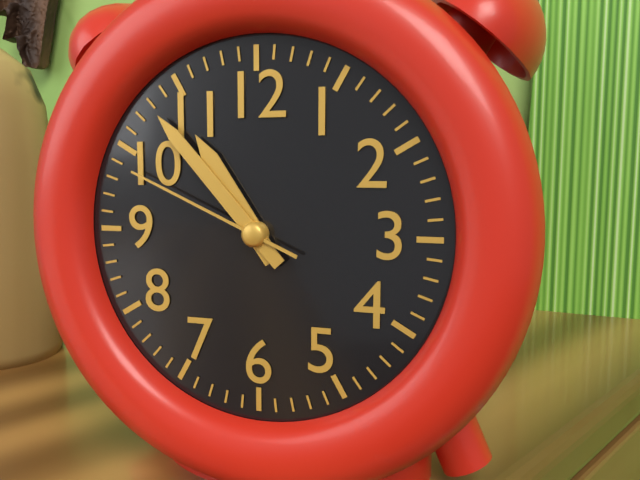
**10:53:49**
